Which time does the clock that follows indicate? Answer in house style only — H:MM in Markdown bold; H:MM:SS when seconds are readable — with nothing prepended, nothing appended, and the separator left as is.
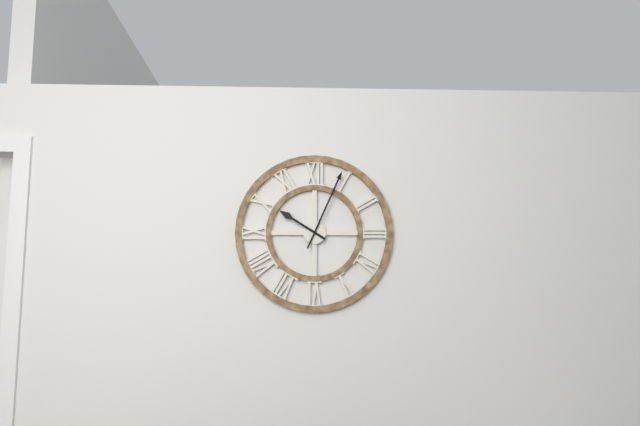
**10:04**
